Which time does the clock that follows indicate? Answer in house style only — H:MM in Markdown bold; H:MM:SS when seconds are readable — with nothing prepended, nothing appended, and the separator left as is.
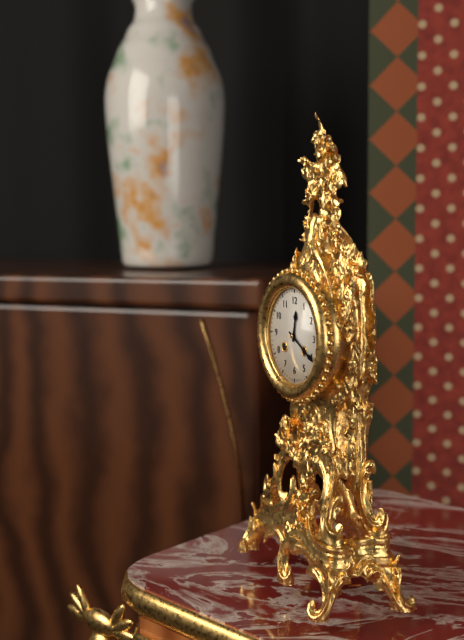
**12:20**
